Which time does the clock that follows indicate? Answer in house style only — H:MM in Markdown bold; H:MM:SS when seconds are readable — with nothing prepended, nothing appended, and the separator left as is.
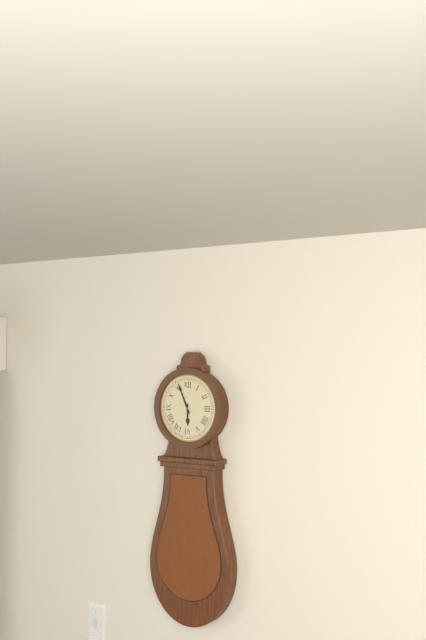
**5:56**
